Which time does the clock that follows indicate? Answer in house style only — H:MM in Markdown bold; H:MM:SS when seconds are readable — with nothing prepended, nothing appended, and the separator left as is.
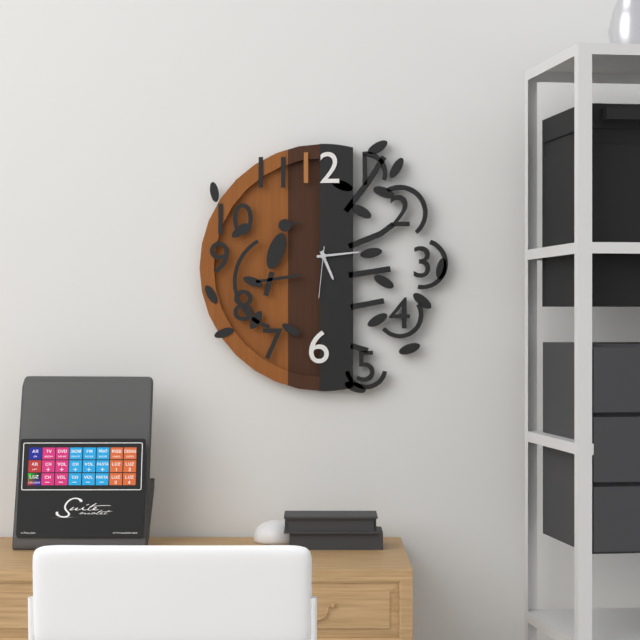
**5:14:31**
